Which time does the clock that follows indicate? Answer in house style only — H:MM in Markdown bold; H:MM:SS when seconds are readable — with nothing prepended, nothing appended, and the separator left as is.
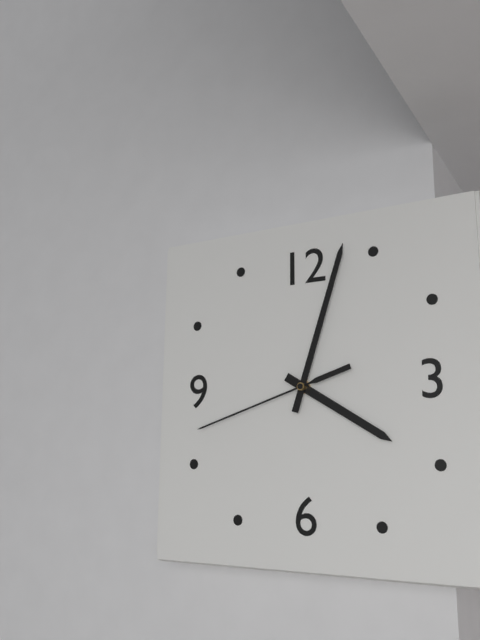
**4:03:42**
